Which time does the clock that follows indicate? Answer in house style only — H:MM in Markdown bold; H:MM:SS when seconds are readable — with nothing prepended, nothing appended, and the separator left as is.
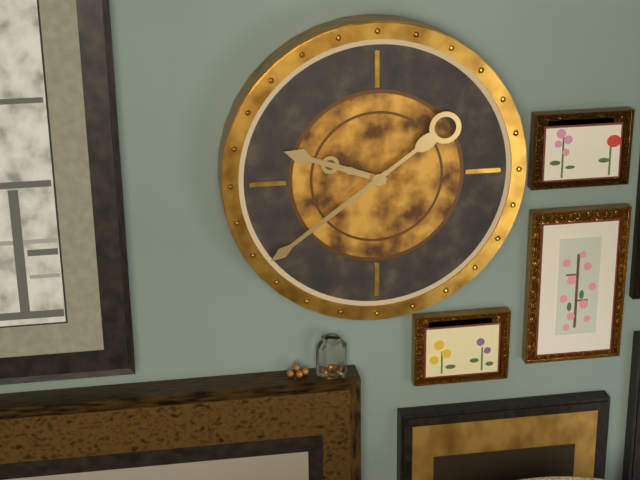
**9:39**
